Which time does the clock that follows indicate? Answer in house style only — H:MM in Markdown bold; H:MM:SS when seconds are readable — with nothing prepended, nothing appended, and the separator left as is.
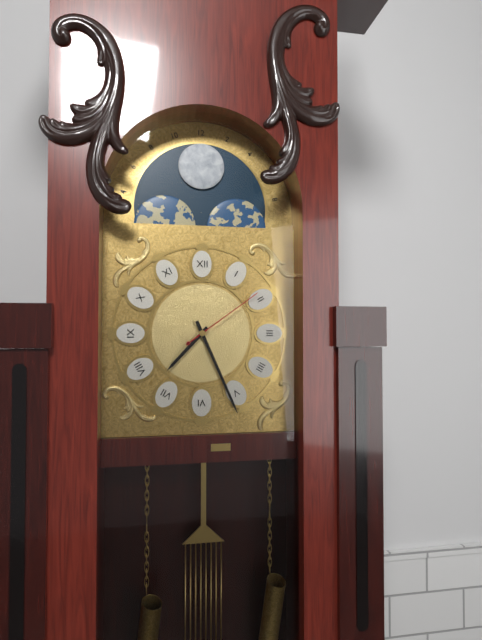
**7:26:09**
